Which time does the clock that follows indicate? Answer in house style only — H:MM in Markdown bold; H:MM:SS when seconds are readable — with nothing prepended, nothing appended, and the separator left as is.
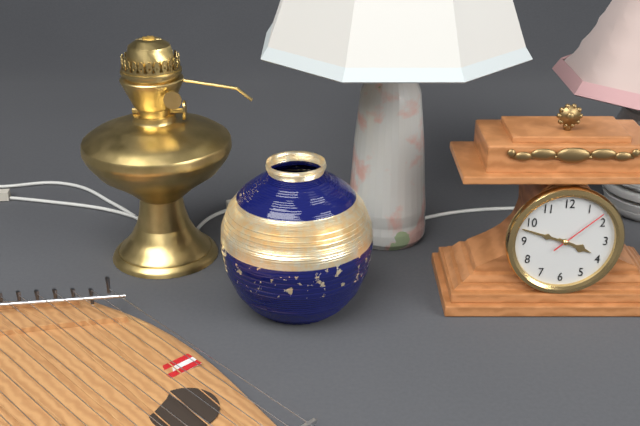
**3:48:08**
